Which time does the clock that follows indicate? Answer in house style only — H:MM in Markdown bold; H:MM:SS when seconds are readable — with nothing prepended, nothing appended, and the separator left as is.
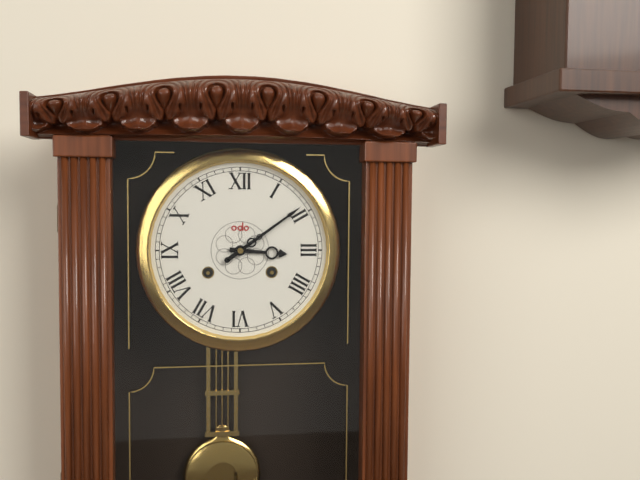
**3:09**
